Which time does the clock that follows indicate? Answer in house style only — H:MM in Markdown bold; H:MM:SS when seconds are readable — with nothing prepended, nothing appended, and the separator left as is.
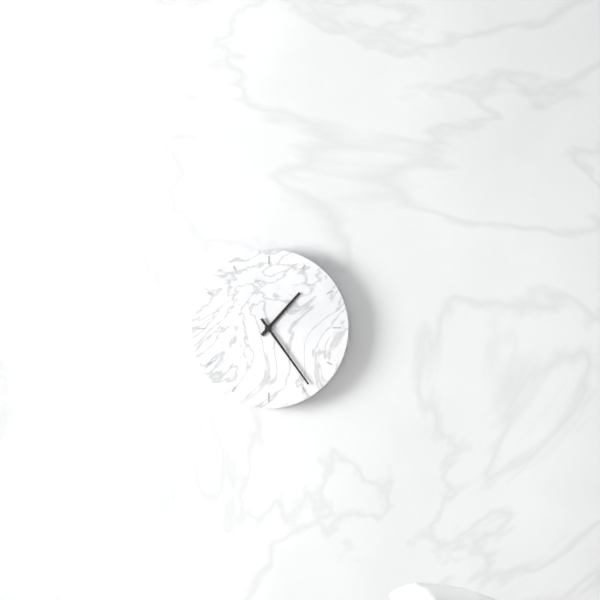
**1:24**
